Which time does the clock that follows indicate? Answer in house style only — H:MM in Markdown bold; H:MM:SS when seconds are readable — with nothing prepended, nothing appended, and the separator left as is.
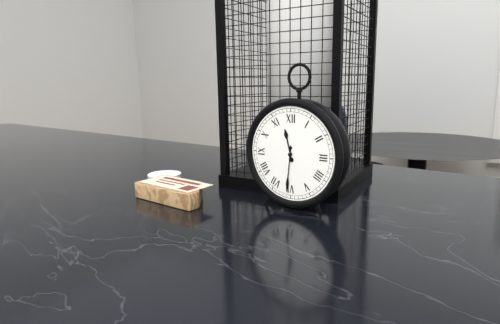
**11:31**
